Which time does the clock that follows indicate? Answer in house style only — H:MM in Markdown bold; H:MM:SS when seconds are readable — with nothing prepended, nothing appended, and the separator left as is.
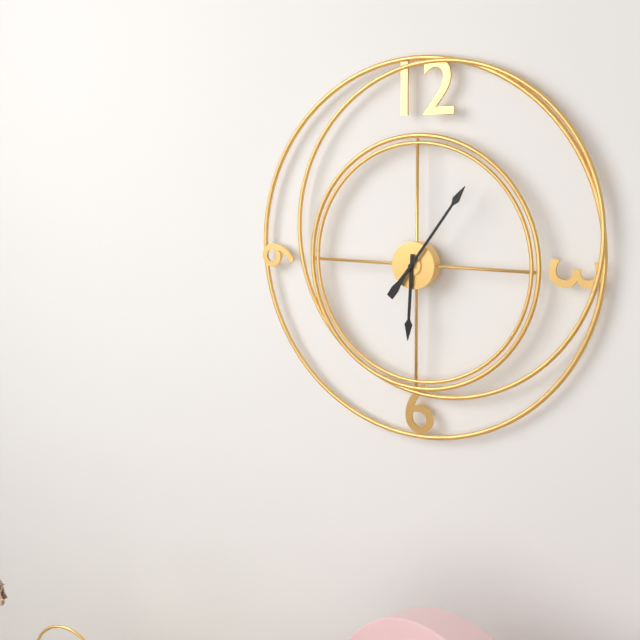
**6:06**
